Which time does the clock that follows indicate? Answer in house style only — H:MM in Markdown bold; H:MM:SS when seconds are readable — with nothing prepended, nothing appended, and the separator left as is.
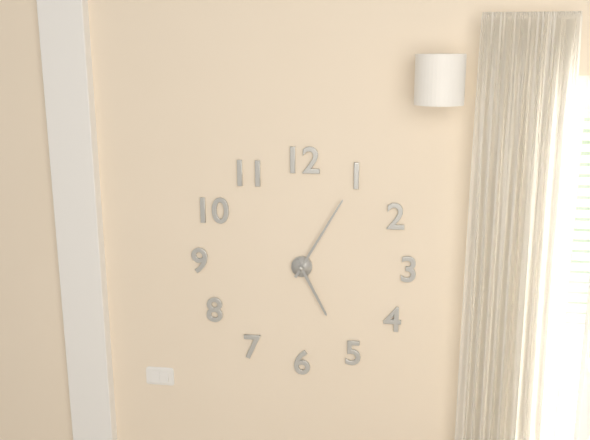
**5:05**
